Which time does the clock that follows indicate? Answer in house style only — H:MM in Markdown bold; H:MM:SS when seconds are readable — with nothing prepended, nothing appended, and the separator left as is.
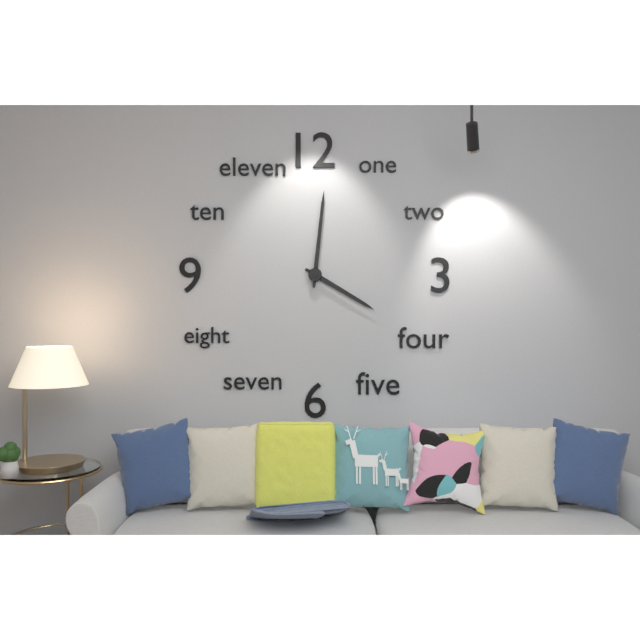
**4:01**
